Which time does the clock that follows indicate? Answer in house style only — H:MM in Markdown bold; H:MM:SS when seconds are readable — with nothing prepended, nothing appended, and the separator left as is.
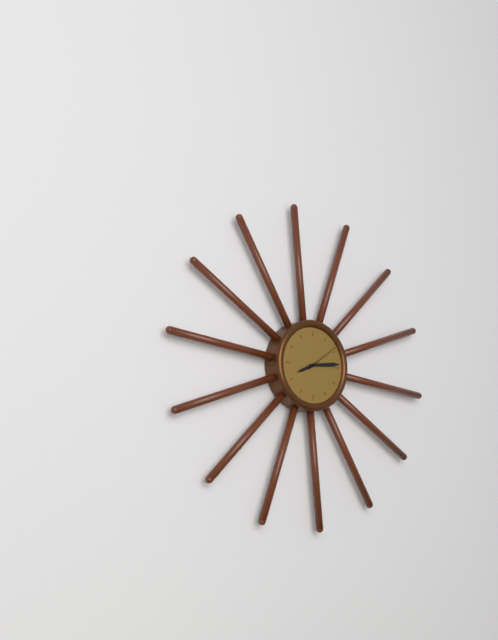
**8:14**
